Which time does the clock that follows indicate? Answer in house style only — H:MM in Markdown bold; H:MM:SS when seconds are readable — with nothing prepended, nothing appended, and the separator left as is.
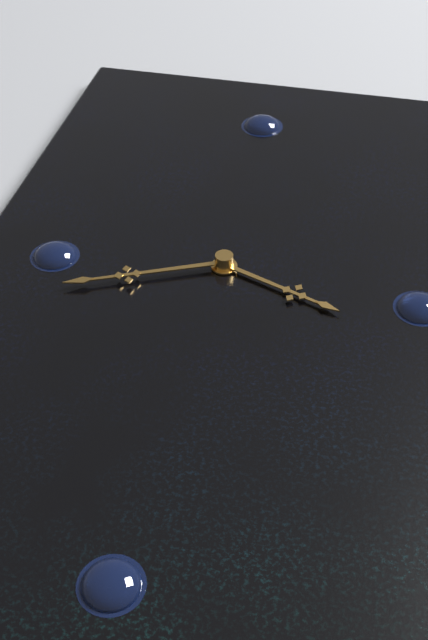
**3:41**
